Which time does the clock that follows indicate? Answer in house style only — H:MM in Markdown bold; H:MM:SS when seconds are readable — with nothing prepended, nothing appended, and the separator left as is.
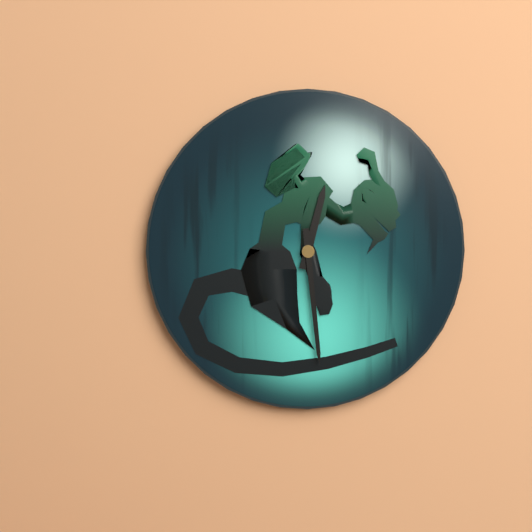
**12:29**
